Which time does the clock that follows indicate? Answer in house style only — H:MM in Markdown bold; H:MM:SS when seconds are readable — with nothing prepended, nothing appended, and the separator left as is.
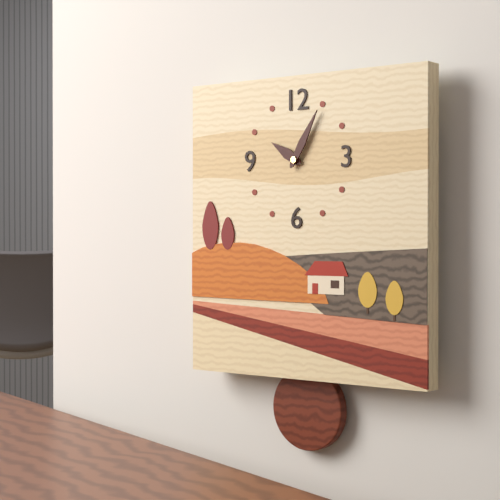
**10:05**
